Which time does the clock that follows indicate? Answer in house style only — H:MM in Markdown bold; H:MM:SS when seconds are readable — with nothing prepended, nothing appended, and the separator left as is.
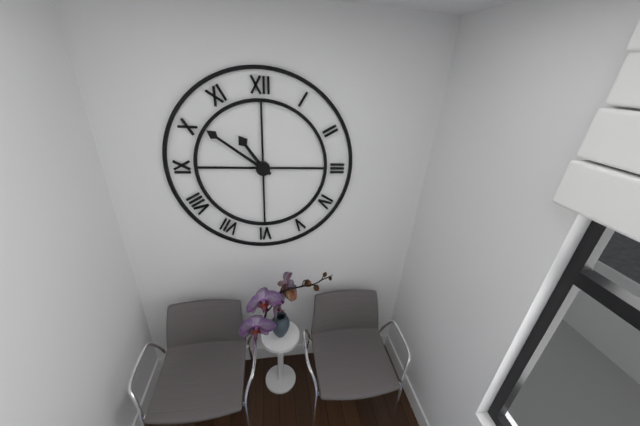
**10:51**
